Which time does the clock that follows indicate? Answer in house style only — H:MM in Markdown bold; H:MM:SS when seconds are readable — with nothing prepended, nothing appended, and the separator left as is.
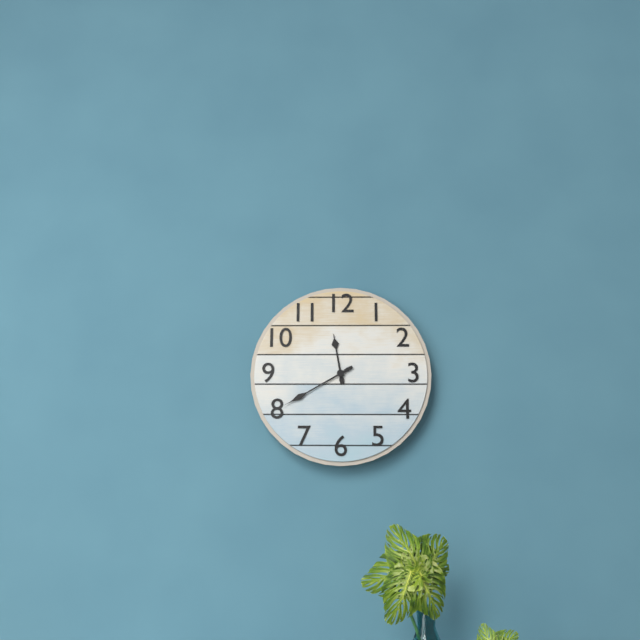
**11:40**
